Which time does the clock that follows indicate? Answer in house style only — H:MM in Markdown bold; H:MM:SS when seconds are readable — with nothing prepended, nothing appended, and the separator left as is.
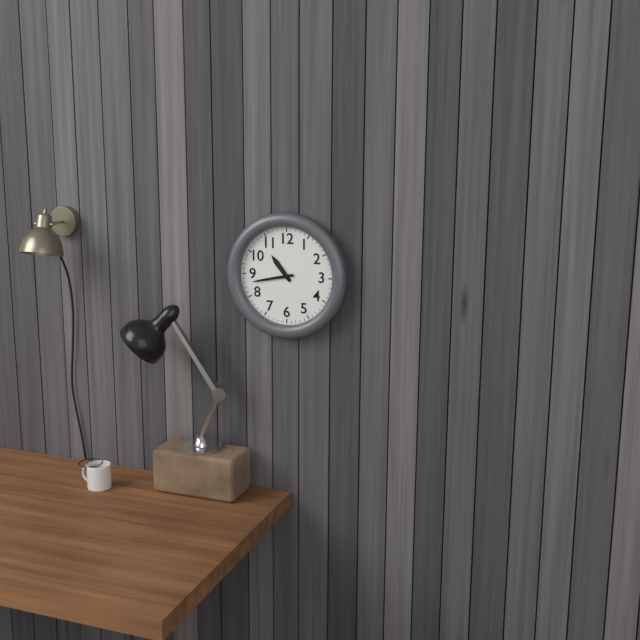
**10:43**
